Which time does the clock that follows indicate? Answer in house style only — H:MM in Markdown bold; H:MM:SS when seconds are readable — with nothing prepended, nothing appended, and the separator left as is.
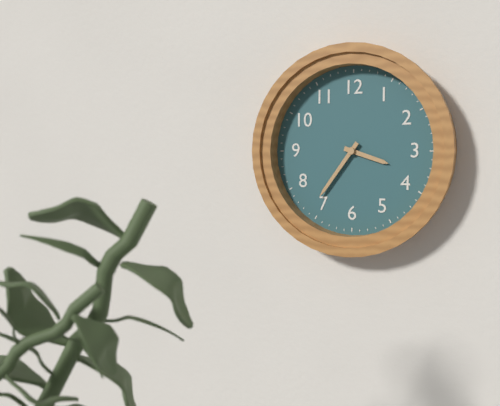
**3:36**
